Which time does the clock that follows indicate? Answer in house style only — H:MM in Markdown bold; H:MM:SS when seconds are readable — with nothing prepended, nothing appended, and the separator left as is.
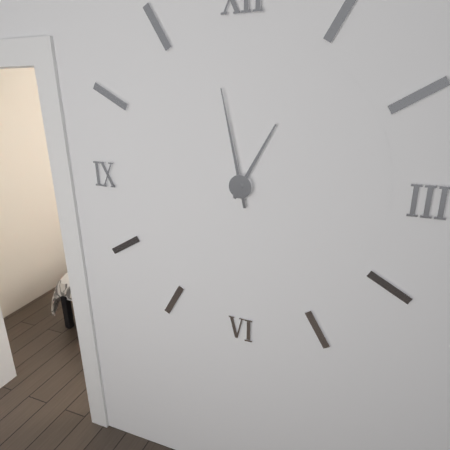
**12:58**
